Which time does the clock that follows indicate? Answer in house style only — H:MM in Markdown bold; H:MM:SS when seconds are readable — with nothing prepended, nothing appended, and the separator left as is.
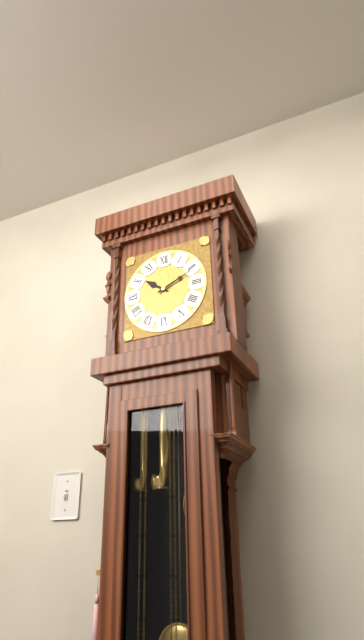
**10:11**
